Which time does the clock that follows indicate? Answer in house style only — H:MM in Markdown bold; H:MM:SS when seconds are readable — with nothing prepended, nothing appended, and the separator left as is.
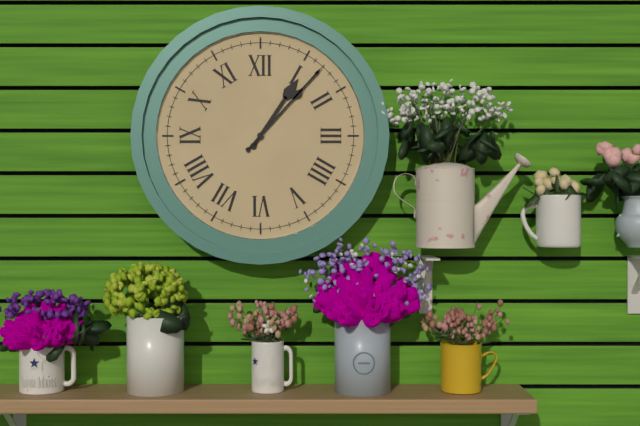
**1:07**
